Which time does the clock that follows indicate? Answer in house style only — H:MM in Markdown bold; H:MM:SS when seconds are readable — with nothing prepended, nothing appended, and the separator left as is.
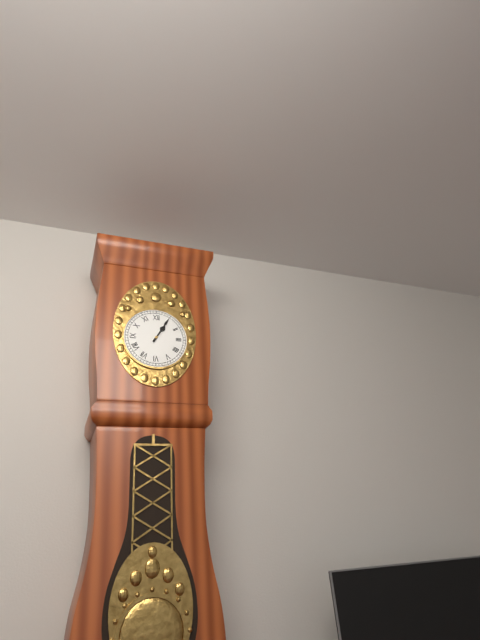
**1:05**
